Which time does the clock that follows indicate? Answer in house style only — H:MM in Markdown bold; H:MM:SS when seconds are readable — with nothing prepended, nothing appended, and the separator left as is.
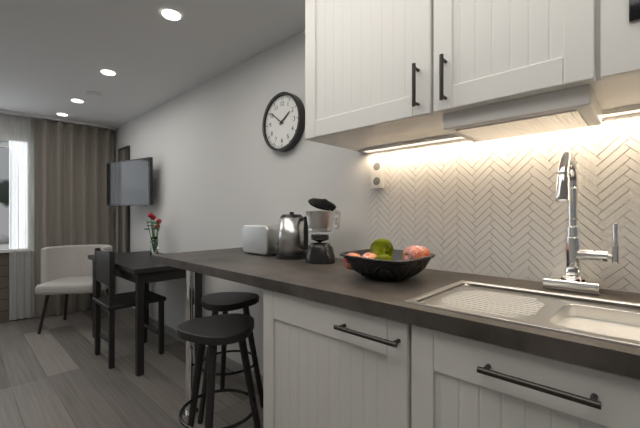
**1:51**
